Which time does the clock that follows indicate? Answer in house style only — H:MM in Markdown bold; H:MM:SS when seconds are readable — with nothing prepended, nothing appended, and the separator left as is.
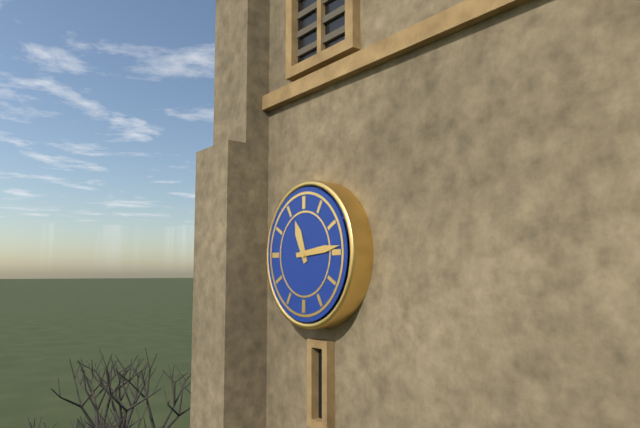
**11:14**
